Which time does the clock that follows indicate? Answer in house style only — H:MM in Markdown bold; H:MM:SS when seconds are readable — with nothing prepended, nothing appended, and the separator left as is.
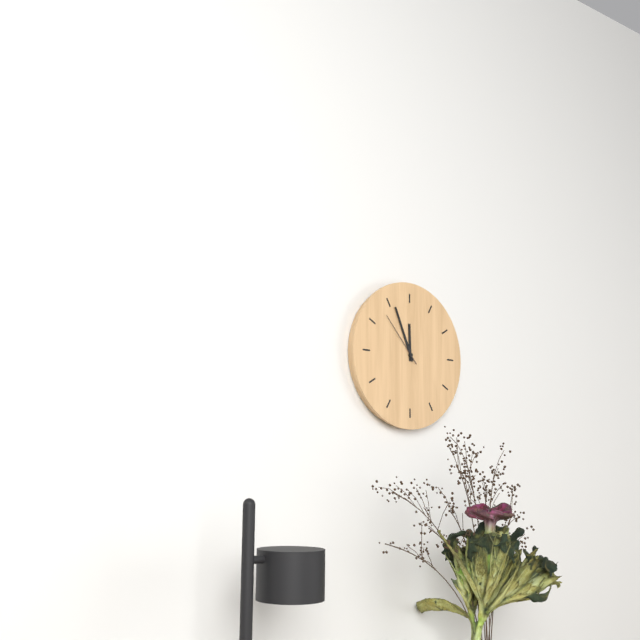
**11:56:53**
